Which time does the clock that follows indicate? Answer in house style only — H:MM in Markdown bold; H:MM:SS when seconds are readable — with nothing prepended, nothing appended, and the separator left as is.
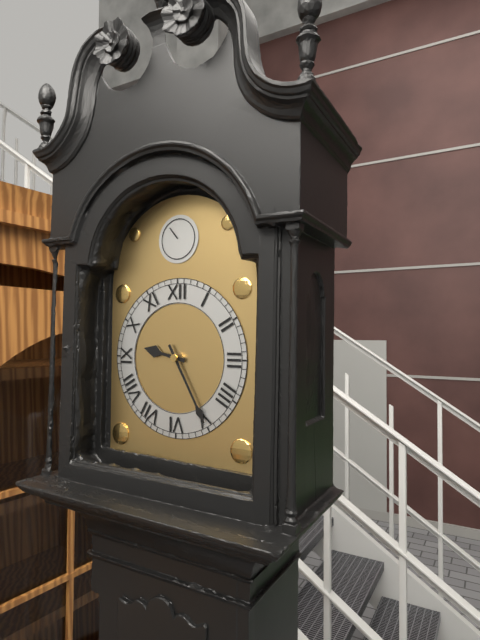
**9:25**
